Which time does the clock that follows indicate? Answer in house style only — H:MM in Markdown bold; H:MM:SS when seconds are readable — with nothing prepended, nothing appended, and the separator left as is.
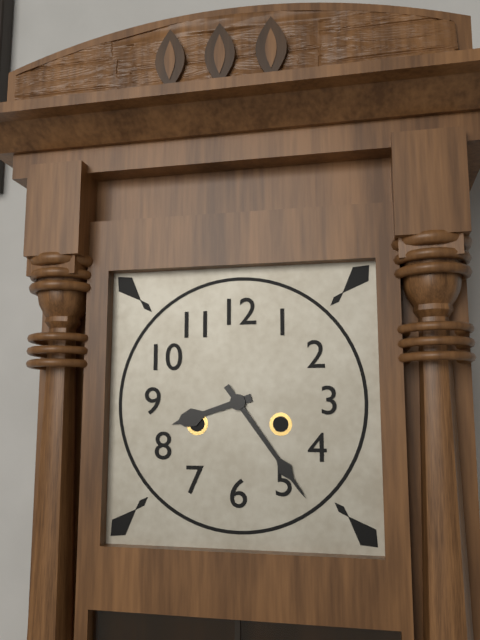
**8:24**
